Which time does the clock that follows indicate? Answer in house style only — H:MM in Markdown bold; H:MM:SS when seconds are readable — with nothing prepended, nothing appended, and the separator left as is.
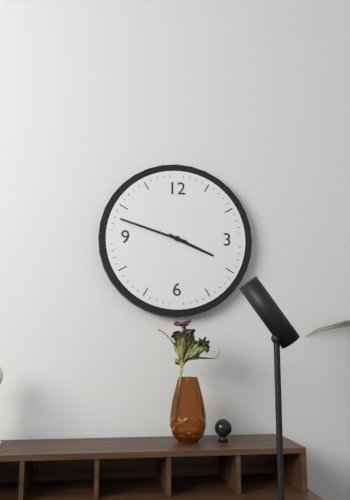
**3:48**
